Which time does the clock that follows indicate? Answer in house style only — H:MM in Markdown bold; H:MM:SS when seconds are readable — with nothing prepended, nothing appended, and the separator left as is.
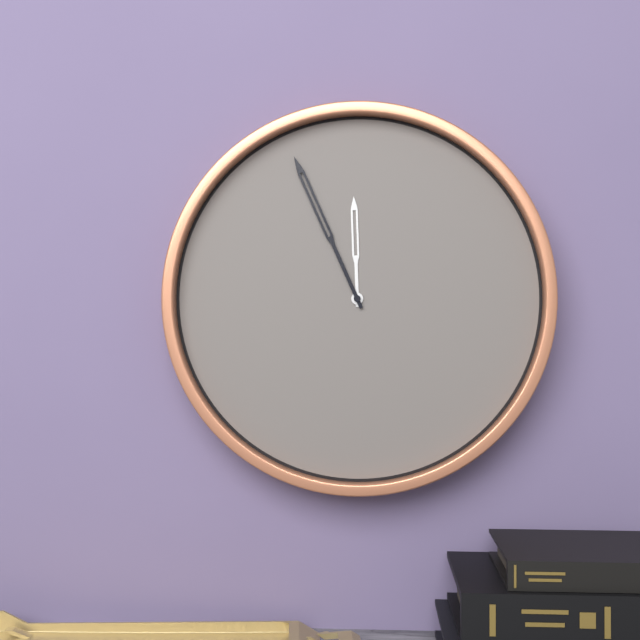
**11:56**
